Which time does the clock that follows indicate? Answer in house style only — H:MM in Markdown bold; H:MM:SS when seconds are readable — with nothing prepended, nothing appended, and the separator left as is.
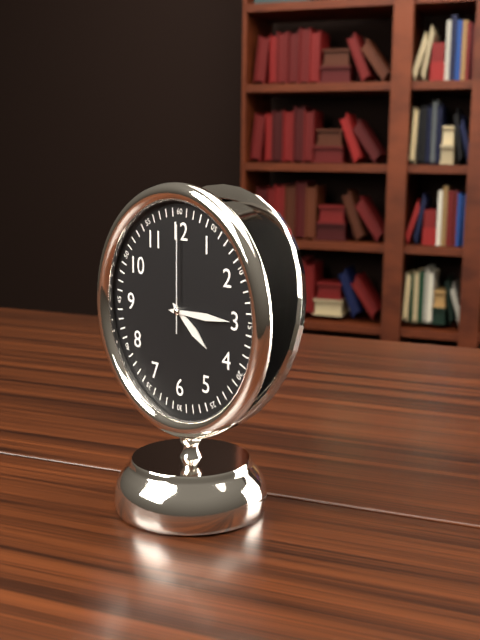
**4:15:00**
